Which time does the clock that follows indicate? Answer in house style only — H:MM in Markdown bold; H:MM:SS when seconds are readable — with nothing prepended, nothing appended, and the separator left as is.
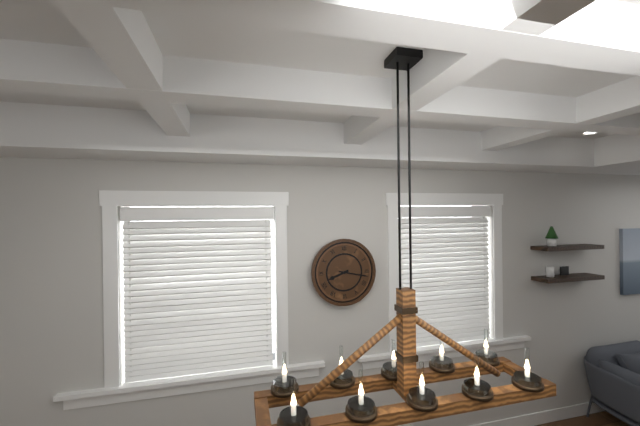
**8:17**
